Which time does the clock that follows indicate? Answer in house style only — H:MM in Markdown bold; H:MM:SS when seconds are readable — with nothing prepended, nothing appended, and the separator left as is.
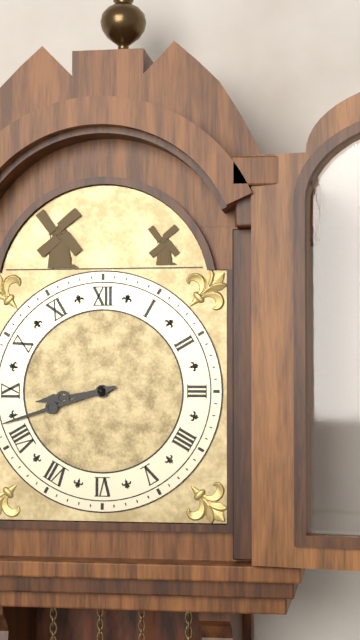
**8:42**
